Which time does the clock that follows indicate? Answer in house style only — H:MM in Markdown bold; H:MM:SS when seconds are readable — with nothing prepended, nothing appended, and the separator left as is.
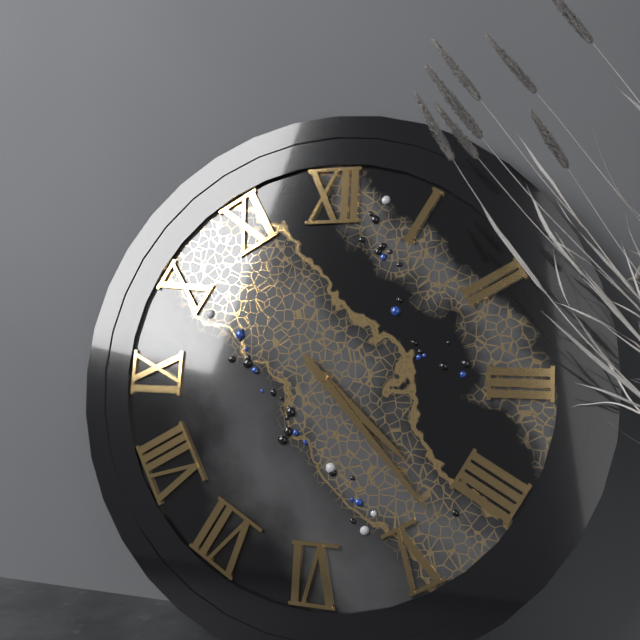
**4:23**
